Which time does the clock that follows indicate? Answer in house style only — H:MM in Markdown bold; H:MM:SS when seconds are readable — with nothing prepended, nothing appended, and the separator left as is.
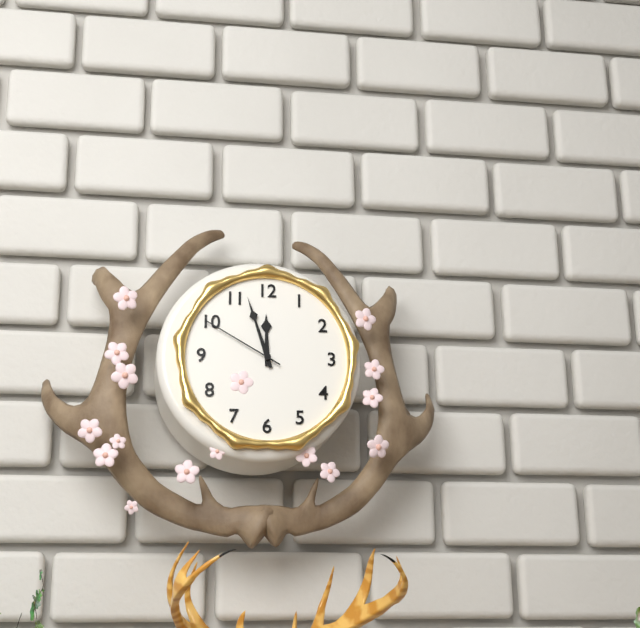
**11:57:50**
